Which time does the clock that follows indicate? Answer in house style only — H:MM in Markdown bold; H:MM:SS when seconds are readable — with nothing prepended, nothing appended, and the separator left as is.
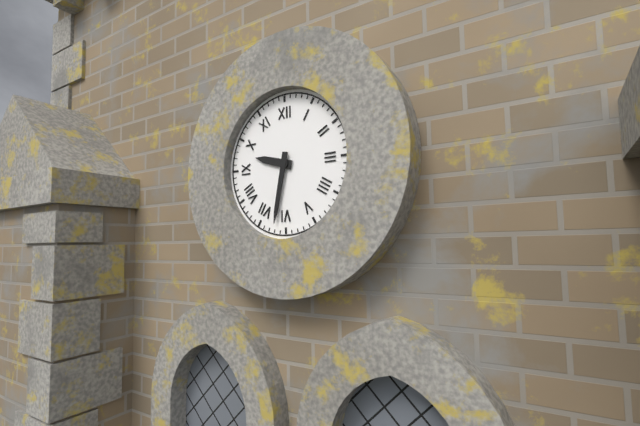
**9:32**
